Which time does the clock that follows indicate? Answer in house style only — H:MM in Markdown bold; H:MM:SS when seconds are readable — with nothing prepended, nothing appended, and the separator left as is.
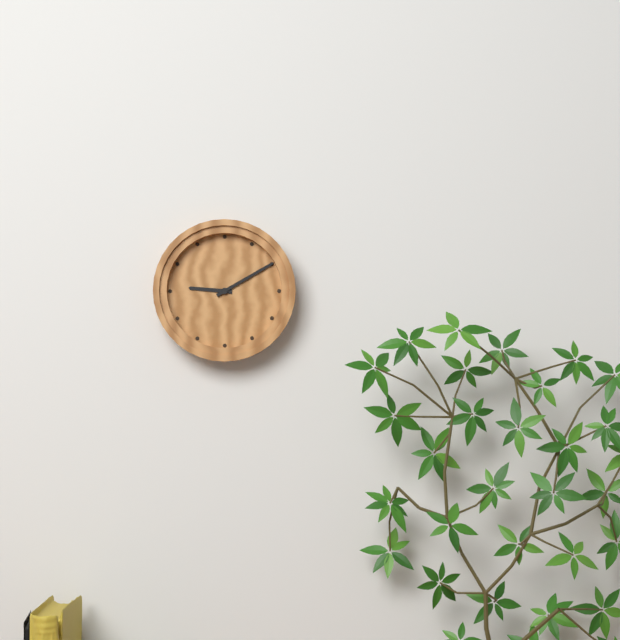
**9:10**
